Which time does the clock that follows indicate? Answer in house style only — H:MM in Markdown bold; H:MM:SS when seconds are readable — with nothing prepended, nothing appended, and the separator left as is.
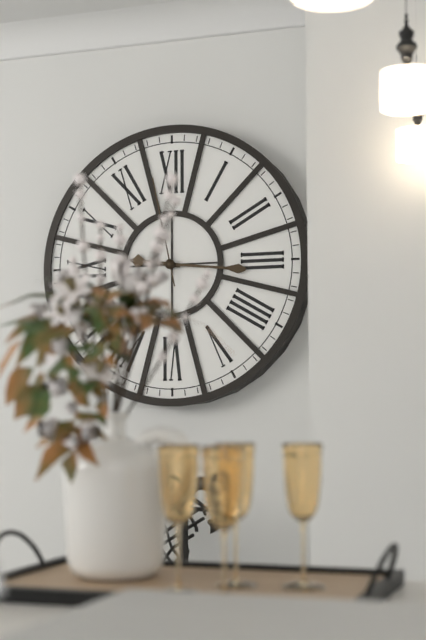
**9:16:58**
